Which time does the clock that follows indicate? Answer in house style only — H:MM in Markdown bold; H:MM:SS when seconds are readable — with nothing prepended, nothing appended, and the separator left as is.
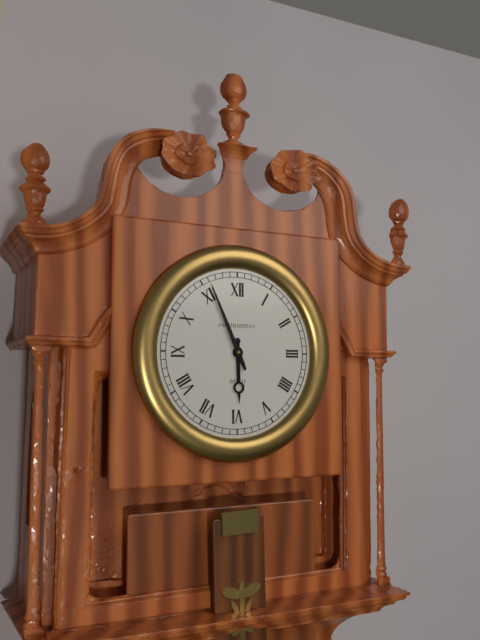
**5:56**
